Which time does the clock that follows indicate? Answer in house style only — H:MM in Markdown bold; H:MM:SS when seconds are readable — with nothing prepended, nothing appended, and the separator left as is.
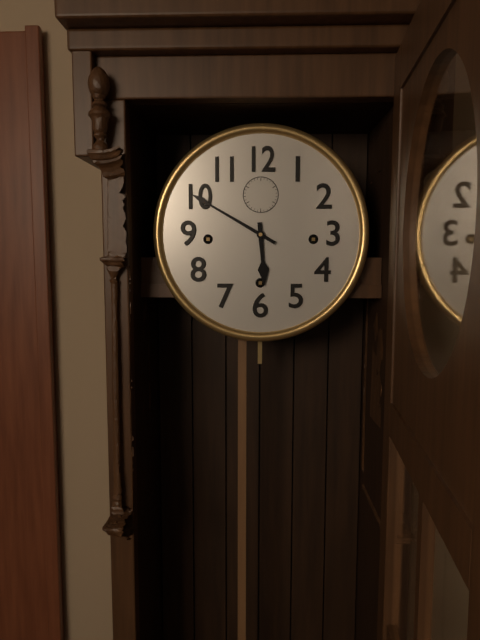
**5:50**
